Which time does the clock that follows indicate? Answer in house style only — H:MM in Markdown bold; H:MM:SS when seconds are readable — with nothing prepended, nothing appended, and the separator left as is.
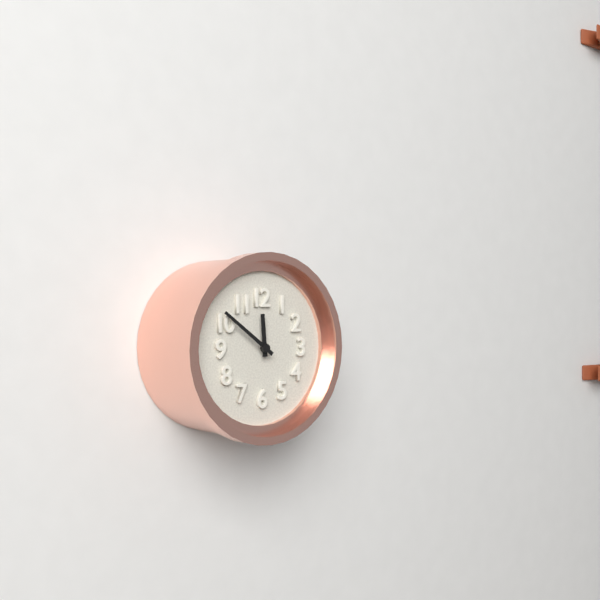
**11:51**
